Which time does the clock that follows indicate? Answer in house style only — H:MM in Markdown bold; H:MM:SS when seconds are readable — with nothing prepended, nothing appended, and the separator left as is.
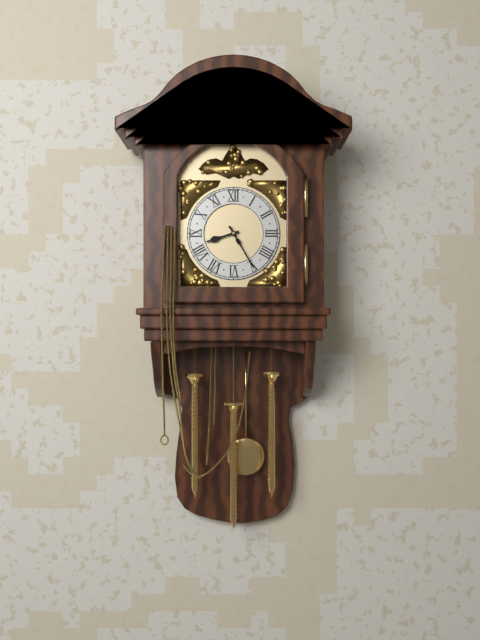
**8:25**
